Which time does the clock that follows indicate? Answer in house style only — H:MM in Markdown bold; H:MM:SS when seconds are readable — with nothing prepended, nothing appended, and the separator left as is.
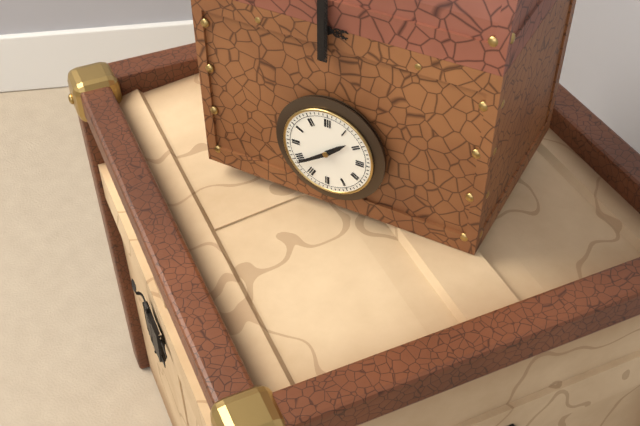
**1:39**
